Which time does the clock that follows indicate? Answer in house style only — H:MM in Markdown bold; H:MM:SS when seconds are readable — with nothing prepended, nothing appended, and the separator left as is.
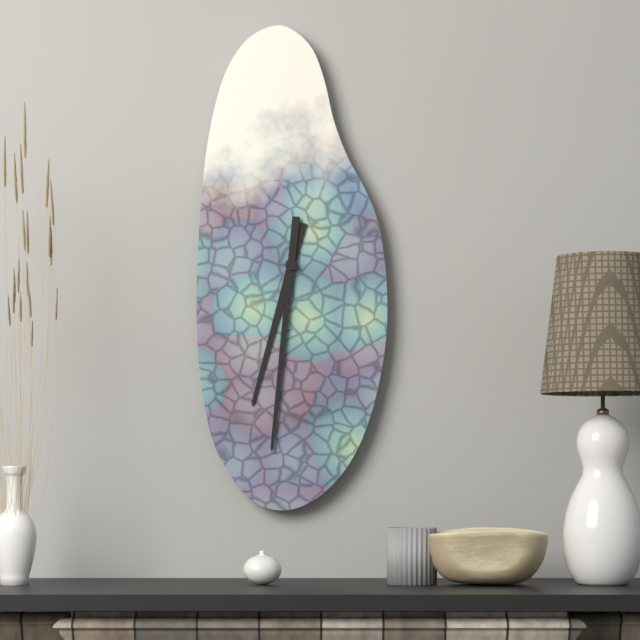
**6:31**
